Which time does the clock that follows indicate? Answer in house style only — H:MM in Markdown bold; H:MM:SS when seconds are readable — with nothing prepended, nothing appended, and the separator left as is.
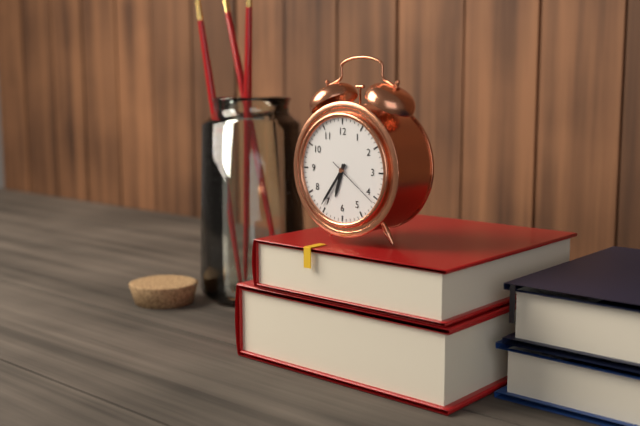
**6:36:21**
